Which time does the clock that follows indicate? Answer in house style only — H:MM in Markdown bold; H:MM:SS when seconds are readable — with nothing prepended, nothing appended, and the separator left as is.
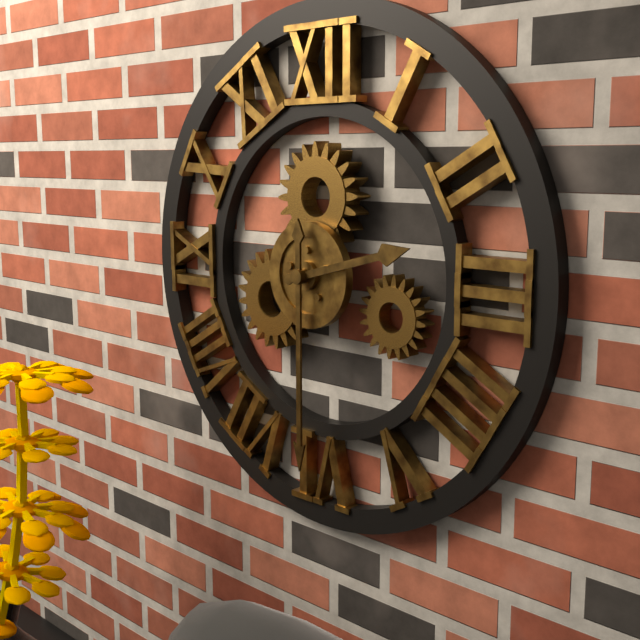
**2:30**
